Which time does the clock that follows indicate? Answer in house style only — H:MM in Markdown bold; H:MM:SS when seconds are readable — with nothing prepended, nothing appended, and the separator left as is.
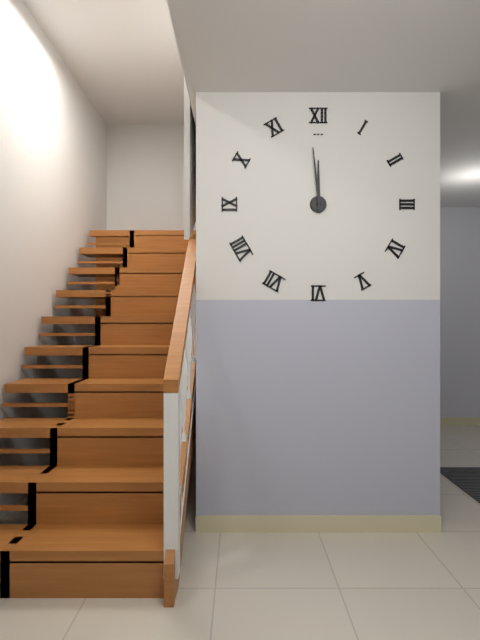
**11:59**
